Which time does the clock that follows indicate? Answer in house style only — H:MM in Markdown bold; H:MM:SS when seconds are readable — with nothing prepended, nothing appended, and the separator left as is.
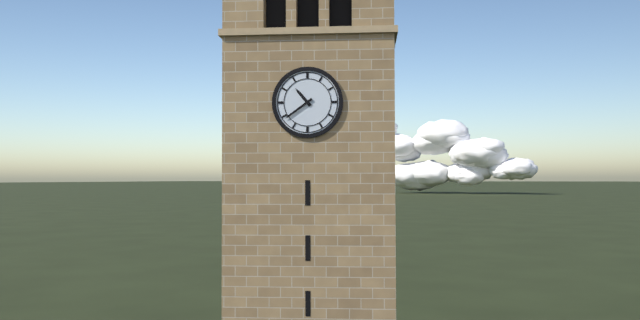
**10:39**
